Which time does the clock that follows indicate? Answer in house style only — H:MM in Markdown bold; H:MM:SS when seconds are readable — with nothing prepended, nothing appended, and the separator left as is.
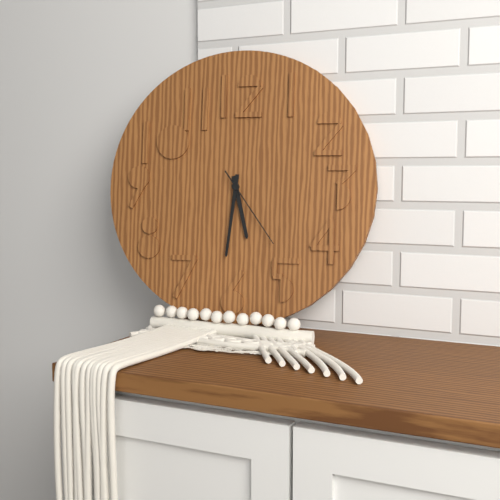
**5:31:24**
